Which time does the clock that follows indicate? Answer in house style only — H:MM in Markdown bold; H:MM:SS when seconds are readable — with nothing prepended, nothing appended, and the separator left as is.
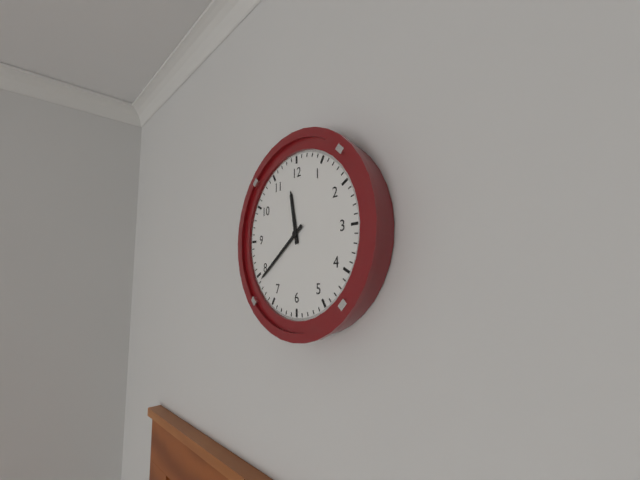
**11:39**
